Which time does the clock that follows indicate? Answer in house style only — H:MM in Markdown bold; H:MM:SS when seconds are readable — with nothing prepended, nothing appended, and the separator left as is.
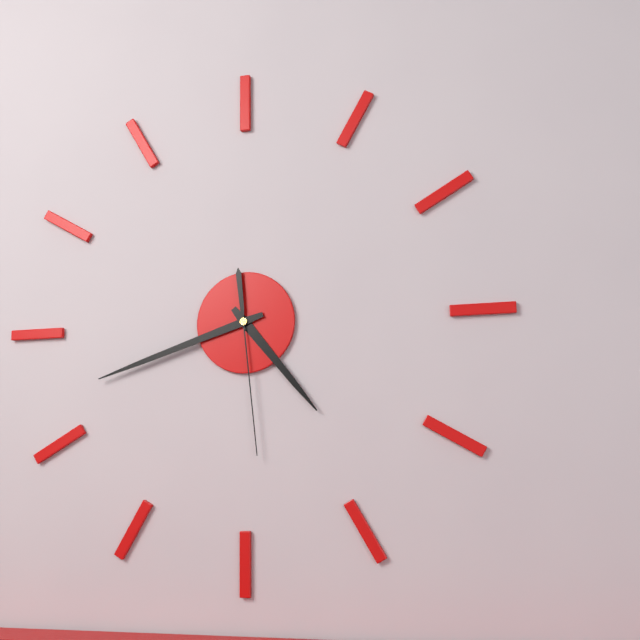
**4:42:29**
